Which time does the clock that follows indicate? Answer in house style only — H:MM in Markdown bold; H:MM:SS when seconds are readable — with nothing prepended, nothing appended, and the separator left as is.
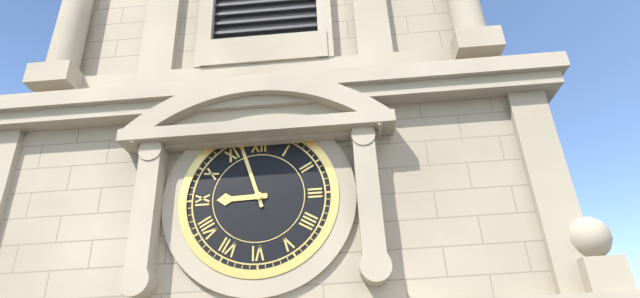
**8:57**
